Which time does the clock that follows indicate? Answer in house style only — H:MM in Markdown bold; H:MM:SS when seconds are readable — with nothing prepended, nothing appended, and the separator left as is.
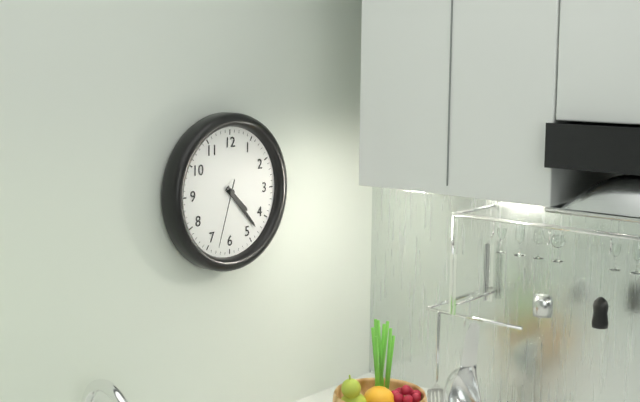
**4:23:33**
